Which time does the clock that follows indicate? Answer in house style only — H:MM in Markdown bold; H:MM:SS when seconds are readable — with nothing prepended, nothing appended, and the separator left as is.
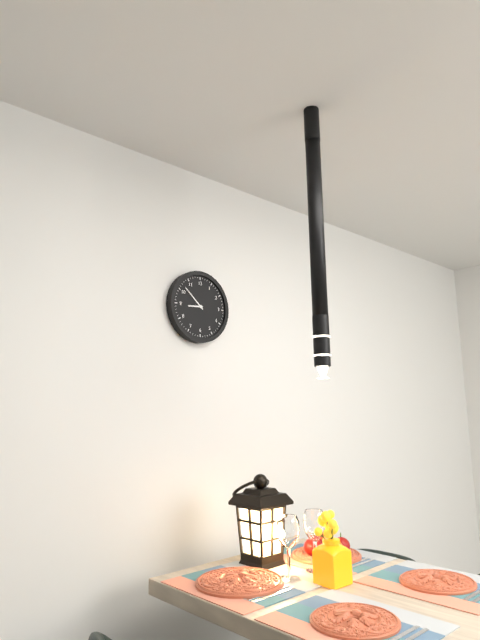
**8:52**
